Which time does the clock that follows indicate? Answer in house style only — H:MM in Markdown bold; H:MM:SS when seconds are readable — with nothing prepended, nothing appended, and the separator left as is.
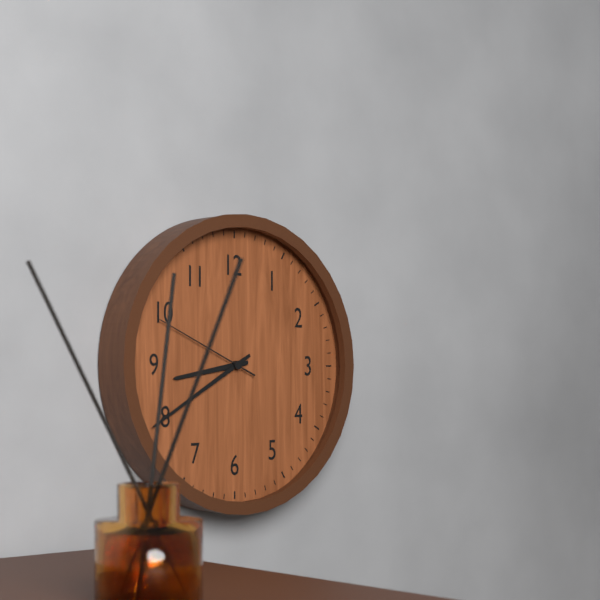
**8:40:49**
